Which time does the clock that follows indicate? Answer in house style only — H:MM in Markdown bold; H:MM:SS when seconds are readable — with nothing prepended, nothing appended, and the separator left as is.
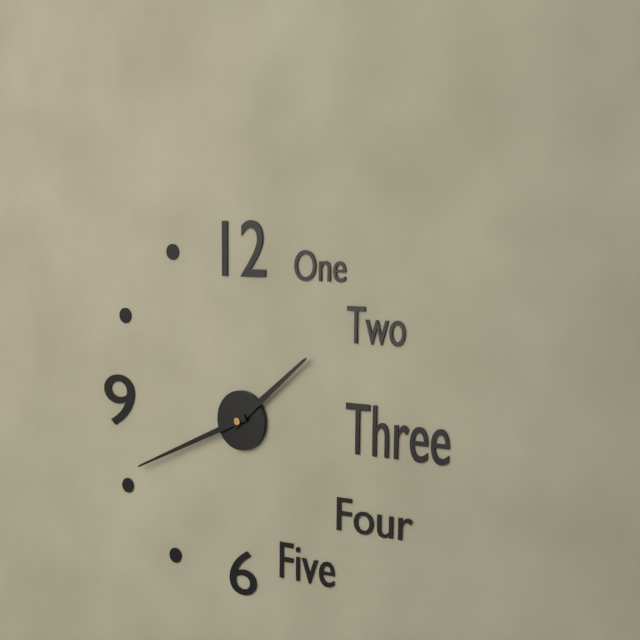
**1:41**
